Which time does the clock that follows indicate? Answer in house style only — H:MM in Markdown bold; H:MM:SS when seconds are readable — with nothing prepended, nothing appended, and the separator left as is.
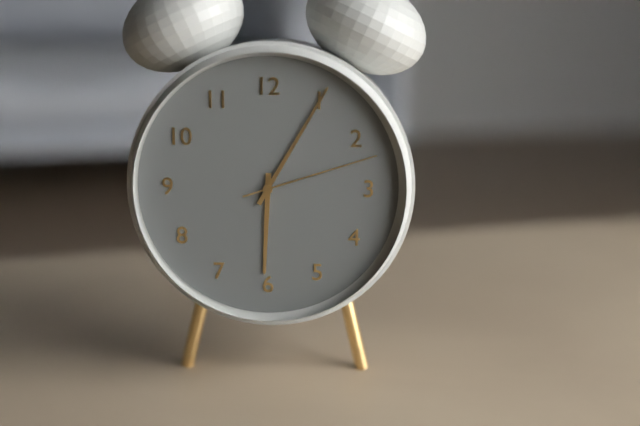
**6:05:12**
